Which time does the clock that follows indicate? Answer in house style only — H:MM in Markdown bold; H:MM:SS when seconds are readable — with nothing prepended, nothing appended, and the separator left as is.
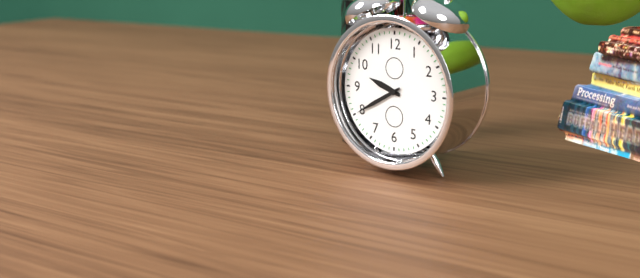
**9:40**
